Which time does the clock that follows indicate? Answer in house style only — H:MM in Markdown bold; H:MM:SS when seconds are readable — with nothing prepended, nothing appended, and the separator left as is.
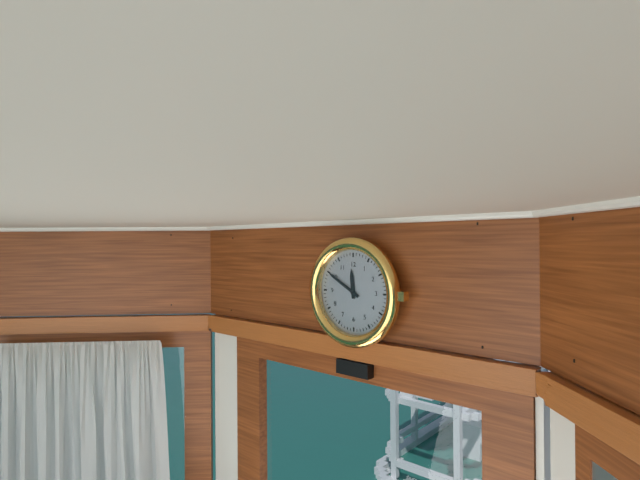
**11:50**
